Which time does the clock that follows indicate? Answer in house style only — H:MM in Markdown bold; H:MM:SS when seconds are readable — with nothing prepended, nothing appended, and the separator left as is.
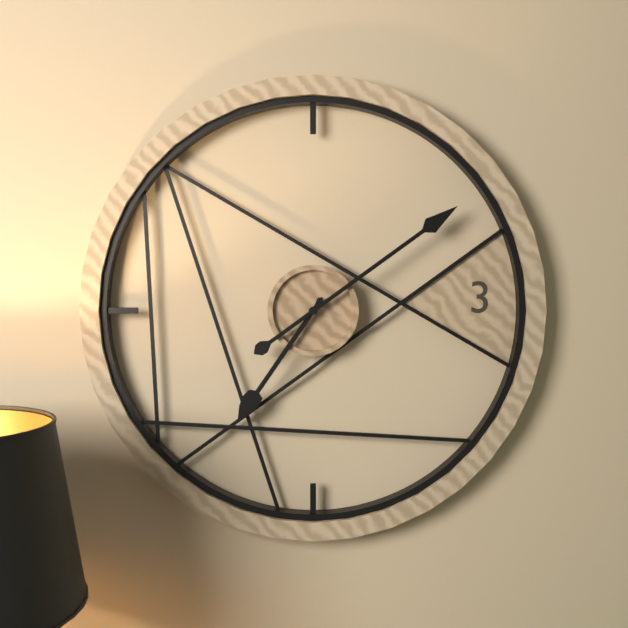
**7:09**
